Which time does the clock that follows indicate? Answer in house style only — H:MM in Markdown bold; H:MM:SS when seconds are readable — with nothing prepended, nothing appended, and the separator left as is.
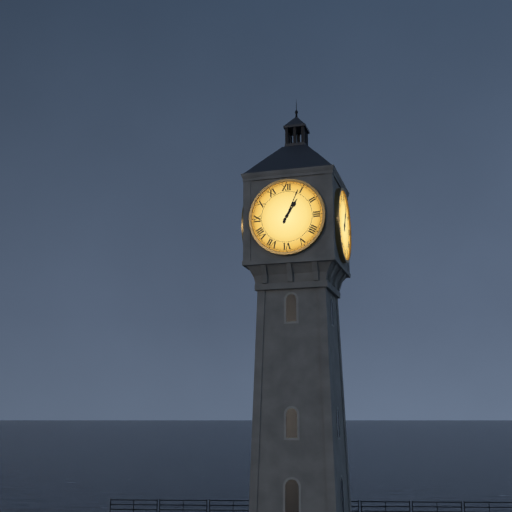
**1:04**
